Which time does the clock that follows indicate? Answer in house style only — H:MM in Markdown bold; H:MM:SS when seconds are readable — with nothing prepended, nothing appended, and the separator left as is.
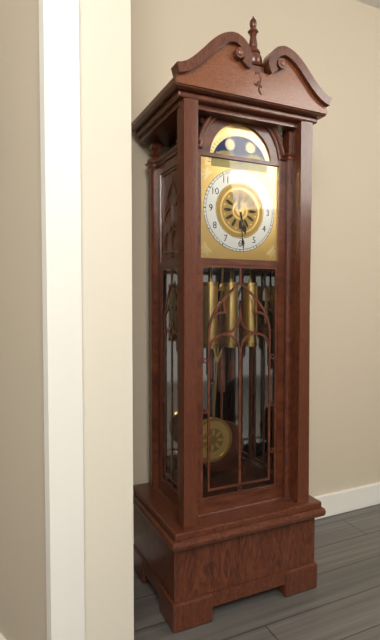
**5:29**
